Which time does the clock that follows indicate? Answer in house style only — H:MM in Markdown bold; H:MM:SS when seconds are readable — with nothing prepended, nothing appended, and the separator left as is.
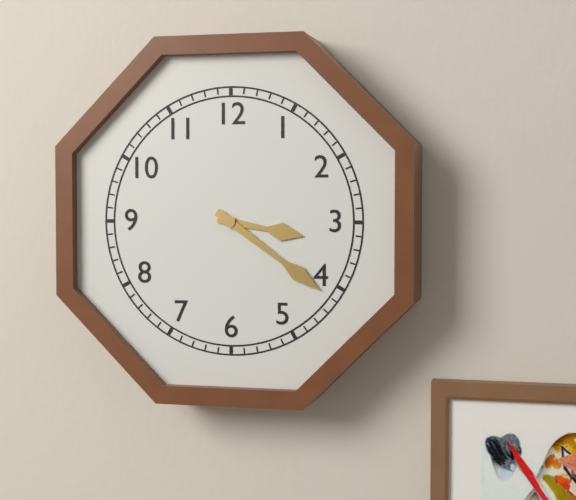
**3:21**
